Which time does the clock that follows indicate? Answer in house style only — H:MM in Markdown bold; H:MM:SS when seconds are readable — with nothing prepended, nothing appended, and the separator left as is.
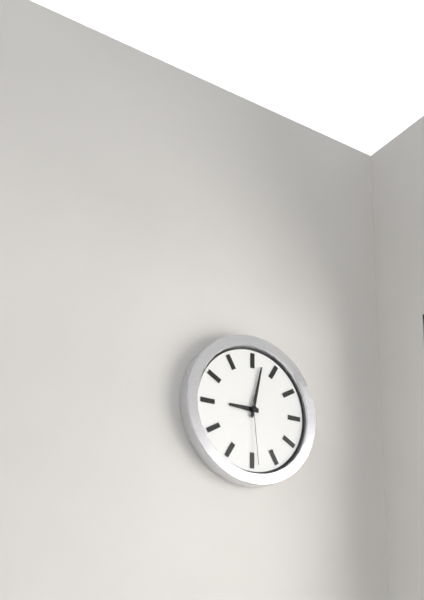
**9:02:29**
